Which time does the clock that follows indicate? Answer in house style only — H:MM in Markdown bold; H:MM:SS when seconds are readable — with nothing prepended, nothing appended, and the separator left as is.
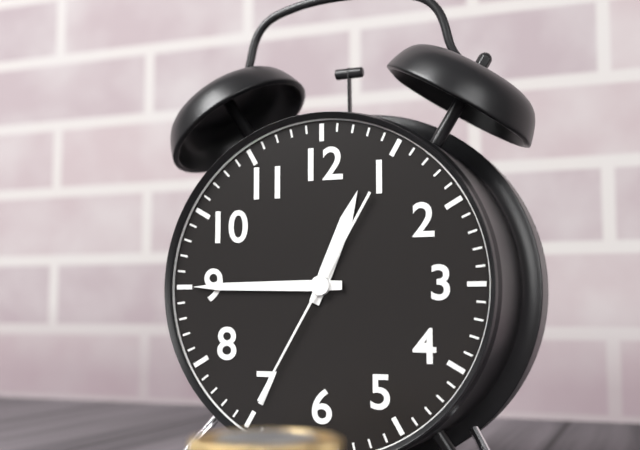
**12:45:35**
